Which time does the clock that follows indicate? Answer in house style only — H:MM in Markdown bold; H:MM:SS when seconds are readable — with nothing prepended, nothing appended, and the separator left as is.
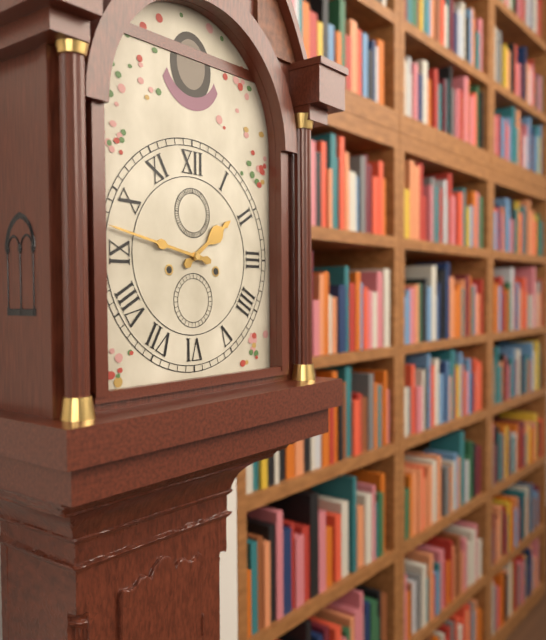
**1:47**
